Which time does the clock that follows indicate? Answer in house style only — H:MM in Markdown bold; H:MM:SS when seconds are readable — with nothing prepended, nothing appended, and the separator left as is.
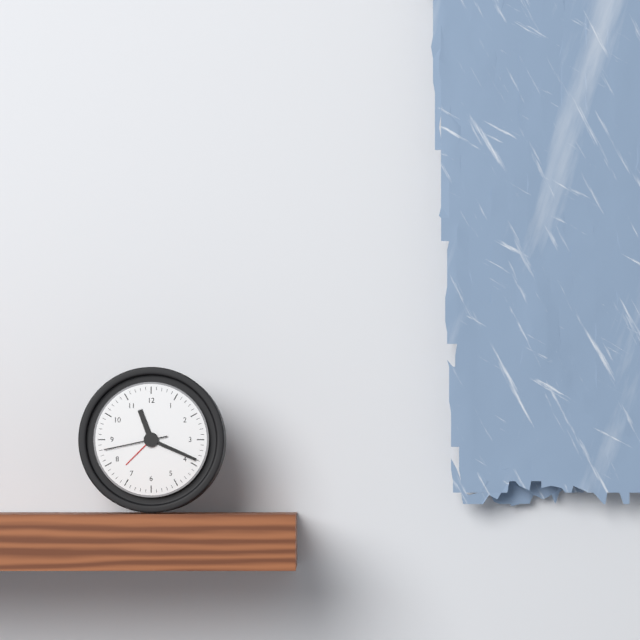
**11:19:43**
